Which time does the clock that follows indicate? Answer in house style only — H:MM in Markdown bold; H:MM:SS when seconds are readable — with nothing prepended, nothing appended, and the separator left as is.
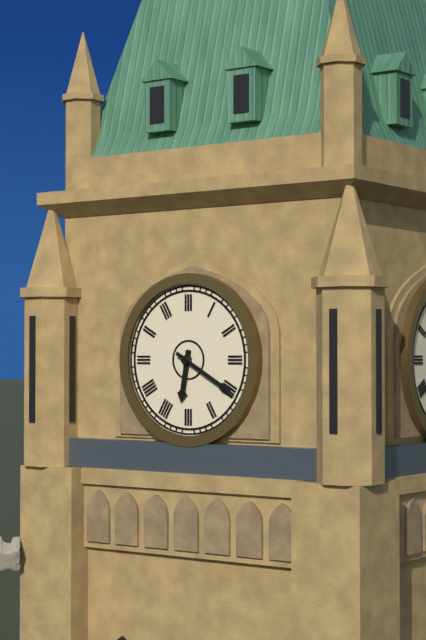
**6:20**
